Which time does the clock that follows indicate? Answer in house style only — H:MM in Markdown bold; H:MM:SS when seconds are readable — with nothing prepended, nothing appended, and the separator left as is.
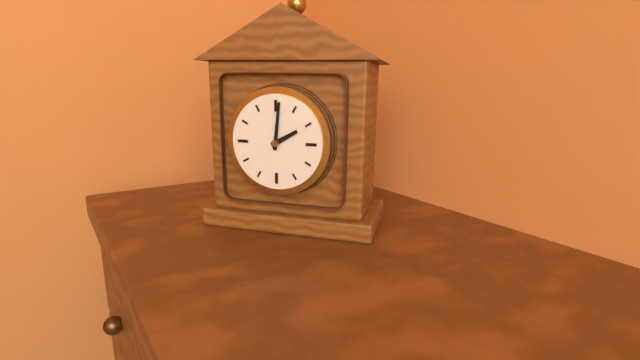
**2:01**
